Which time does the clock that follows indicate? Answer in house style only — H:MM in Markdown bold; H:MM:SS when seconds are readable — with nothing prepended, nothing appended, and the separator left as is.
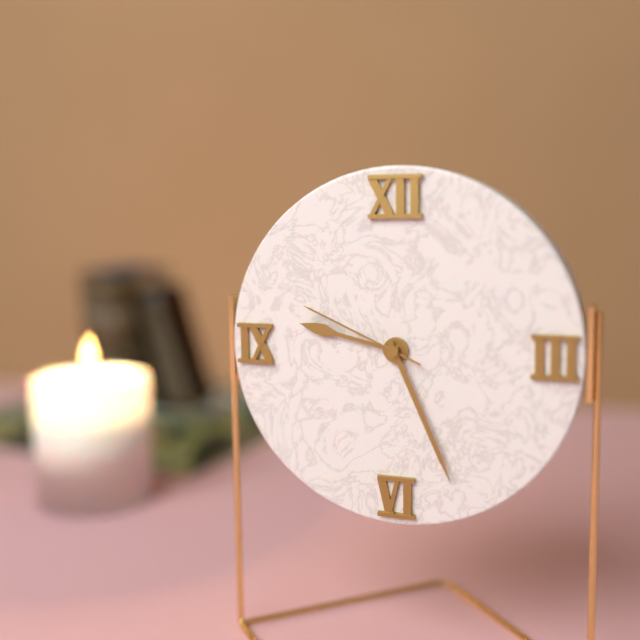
**9:26:49**
